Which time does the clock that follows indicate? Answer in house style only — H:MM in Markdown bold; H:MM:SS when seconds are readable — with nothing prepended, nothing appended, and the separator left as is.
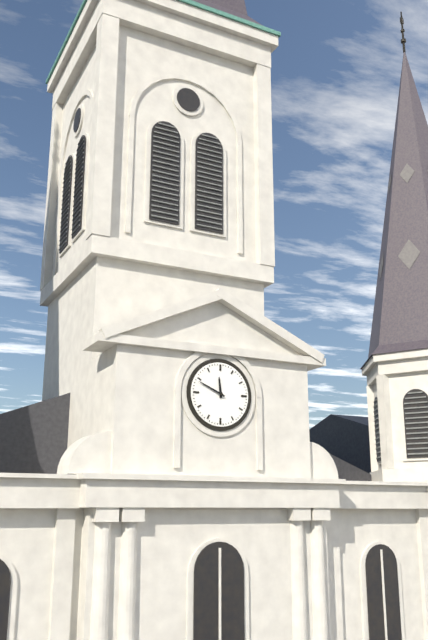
**11:49**
